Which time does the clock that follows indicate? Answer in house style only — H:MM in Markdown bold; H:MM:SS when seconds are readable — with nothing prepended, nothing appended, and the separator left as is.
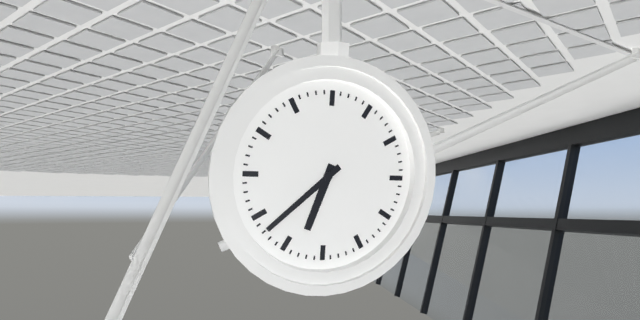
**6:38**
